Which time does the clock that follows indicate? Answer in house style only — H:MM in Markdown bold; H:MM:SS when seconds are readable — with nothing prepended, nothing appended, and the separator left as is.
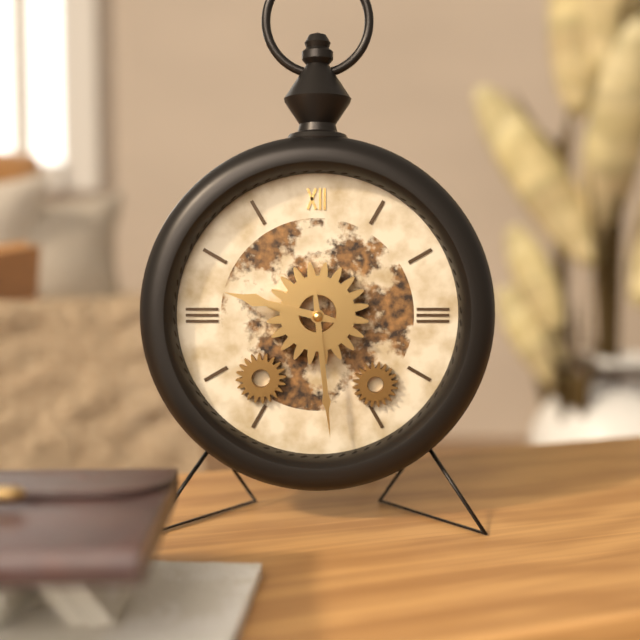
**9:29**
